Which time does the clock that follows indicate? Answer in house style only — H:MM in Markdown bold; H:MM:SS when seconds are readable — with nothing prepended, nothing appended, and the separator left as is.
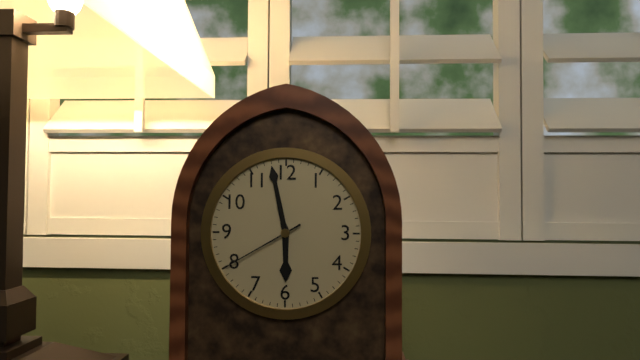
**5:58:40**
